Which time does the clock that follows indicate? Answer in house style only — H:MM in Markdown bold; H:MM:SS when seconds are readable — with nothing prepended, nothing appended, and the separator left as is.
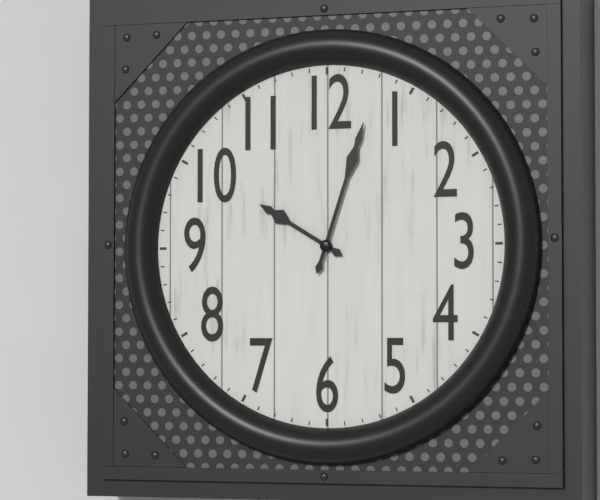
**10:03**
